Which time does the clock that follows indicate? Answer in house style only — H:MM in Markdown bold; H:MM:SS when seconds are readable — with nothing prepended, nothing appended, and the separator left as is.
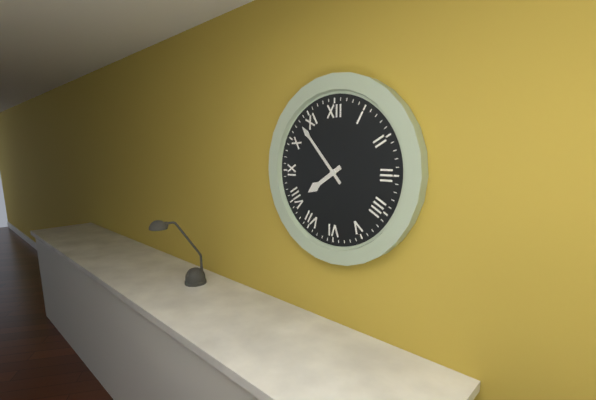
**7:53**
